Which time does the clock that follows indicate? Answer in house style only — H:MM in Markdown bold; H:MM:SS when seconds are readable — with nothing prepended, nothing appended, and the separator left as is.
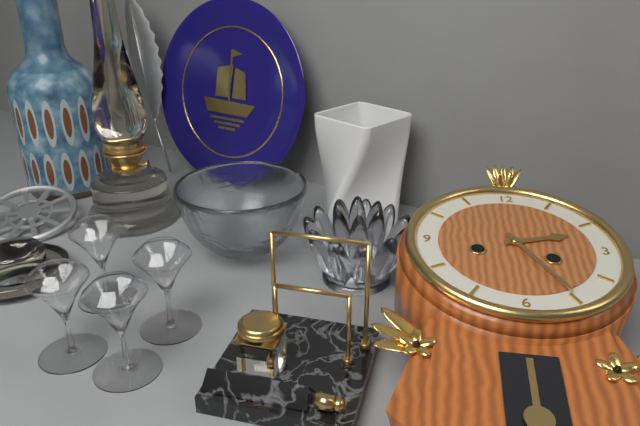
**2:25**
